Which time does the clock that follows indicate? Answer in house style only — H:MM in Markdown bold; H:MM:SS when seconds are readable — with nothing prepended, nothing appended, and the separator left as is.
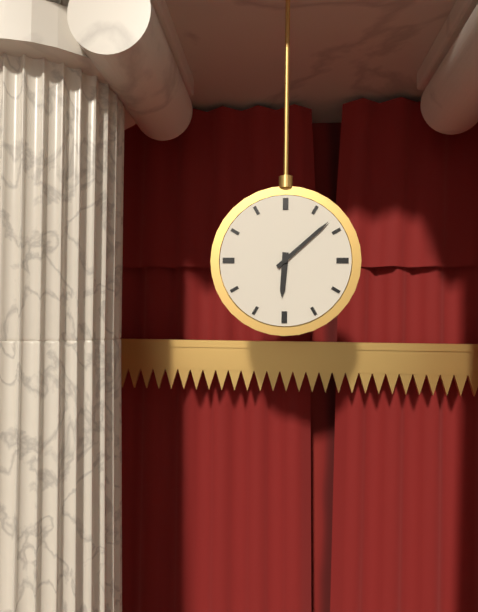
**6:08**
